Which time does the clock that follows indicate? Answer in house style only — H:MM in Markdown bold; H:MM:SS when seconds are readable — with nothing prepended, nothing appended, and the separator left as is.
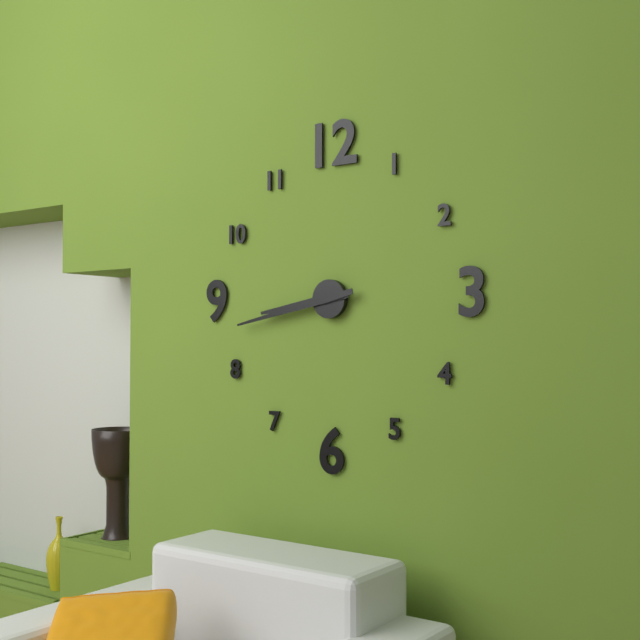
**8:43**
